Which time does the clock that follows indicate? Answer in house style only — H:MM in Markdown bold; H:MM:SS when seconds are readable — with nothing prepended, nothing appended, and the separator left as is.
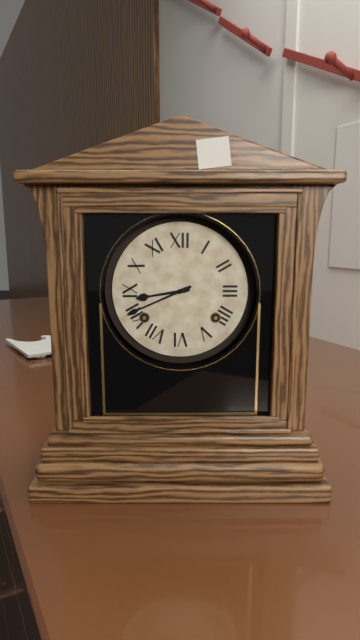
**8:41**
